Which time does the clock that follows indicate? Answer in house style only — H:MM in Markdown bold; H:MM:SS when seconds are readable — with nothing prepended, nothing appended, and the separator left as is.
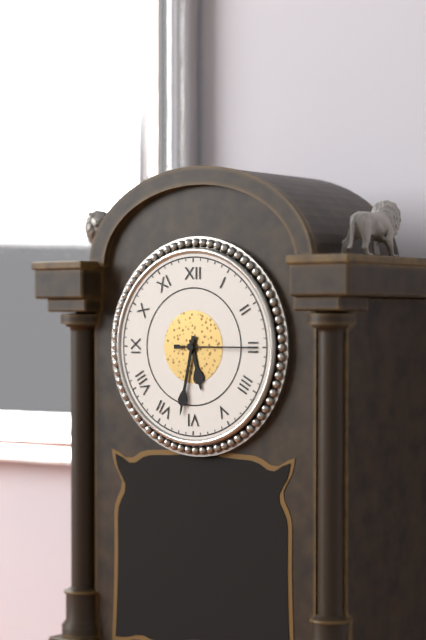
**5:32:15**
